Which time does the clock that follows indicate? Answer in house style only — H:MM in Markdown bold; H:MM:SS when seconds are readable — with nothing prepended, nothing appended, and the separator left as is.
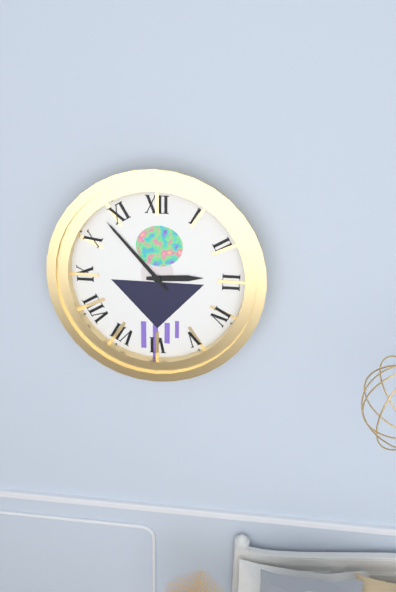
**2:53**
